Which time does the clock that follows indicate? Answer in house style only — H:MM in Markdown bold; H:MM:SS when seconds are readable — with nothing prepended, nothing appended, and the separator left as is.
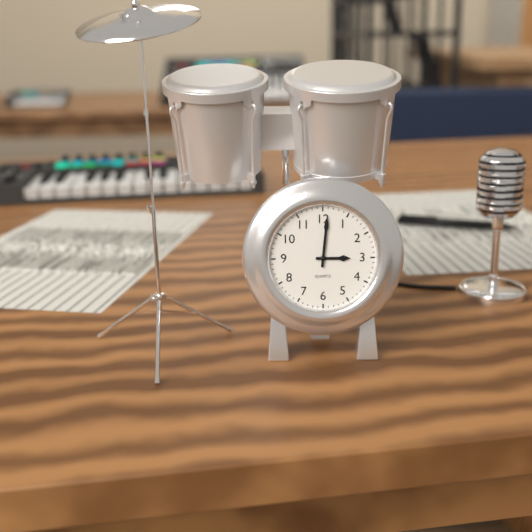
**3:01**
